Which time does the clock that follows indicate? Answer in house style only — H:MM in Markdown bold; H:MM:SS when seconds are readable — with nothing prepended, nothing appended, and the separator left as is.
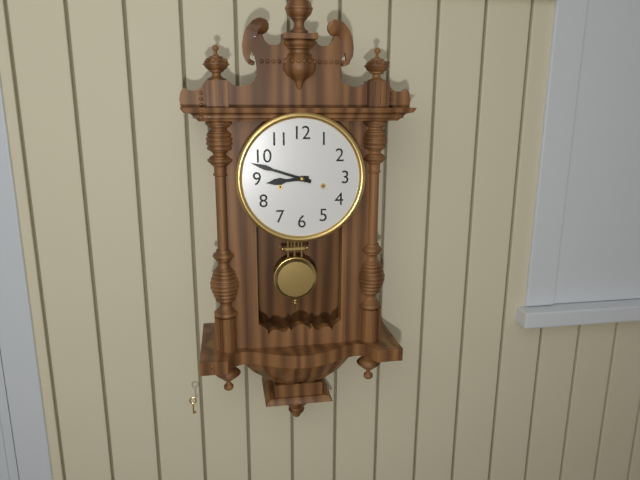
**8:48**
